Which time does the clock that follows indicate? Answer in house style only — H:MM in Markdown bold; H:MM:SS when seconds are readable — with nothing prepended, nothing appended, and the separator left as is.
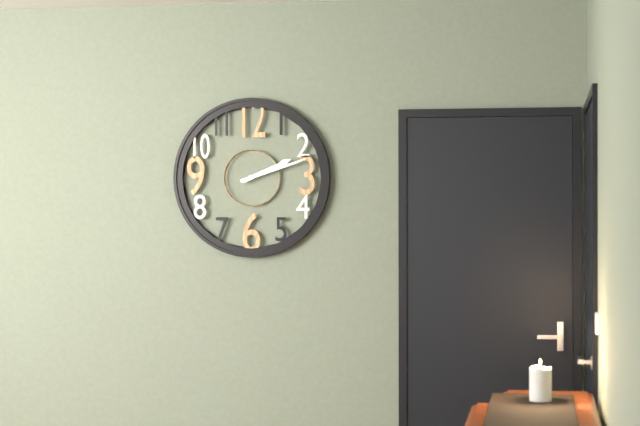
**2:12**
